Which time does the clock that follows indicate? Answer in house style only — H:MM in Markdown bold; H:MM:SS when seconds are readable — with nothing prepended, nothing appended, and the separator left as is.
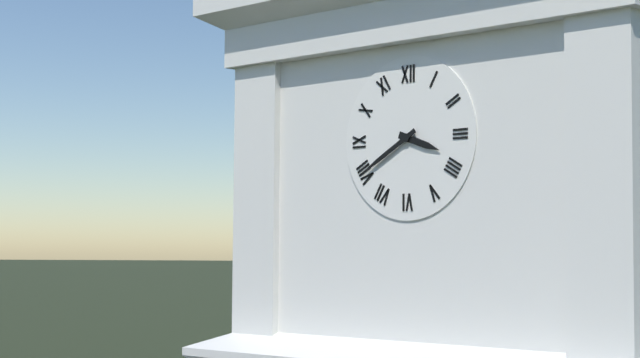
**3:40**
